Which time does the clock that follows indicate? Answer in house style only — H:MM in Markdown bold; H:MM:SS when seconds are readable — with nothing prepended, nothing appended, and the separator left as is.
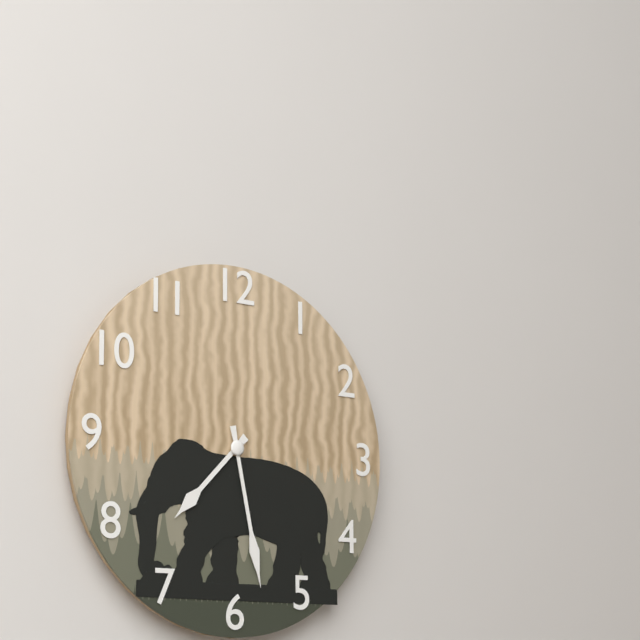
**7:28**
